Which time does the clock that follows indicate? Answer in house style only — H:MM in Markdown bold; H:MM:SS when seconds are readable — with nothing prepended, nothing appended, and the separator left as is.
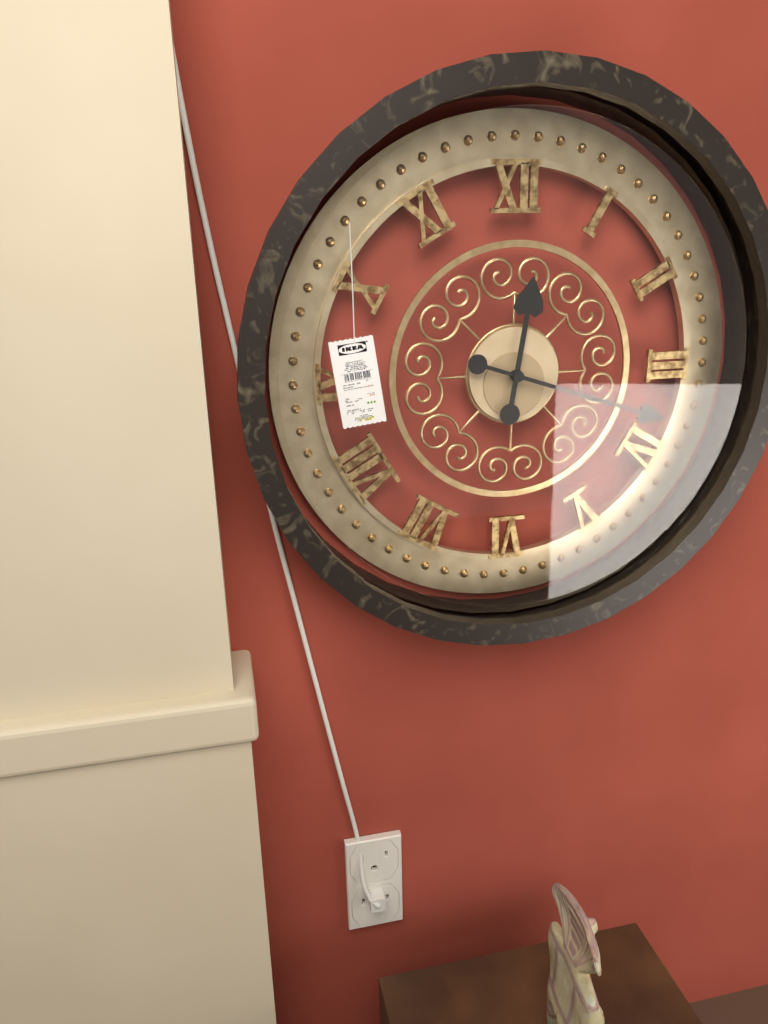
**12:18**
